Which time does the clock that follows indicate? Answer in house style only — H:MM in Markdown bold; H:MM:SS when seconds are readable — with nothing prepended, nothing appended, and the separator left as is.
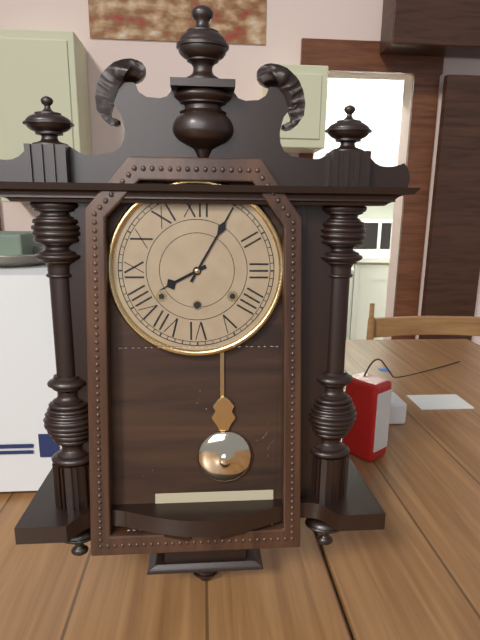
**8:05**
